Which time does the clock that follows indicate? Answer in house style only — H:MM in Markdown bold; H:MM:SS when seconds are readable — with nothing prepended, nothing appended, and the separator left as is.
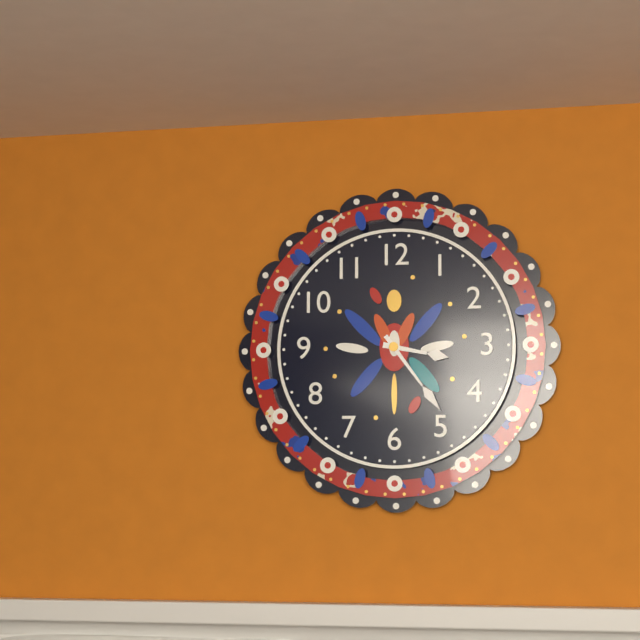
**3:24**
